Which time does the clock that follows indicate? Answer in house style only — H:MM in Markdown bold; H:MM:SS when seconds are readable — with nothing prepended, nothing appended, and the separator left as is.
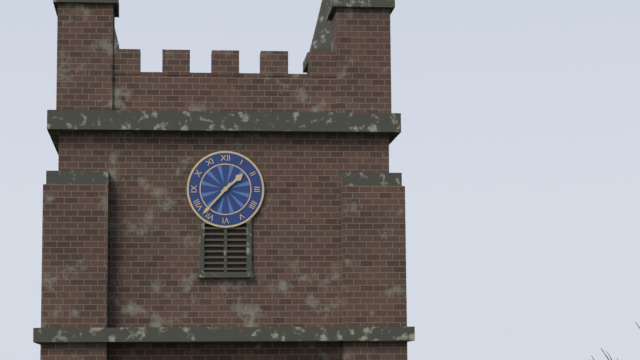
**1:37**
